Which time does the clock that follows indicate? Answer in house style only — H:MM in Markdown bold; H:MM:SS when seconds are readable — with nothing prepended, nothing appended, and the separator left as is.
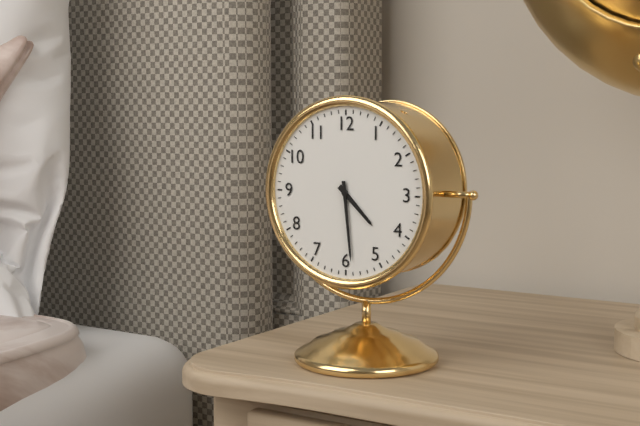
**4:29**
